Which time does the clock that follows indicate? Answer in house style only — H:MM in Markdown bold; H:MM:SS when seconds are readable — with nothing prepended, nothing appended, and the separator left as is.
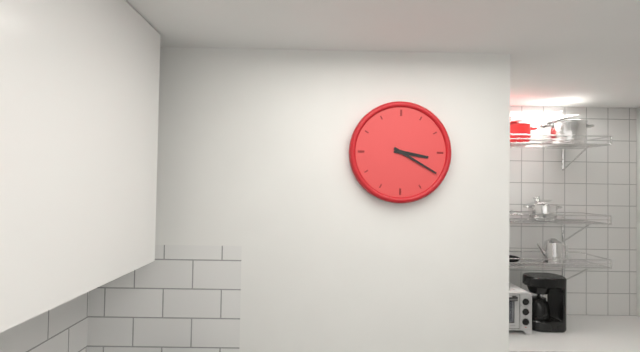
**3:20**
